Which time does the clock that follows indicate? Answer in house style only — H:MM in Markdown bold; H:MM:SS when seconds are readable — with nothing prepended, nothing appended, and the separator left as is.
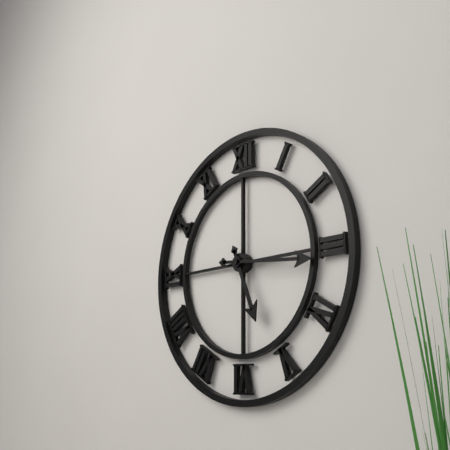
**5:16**
